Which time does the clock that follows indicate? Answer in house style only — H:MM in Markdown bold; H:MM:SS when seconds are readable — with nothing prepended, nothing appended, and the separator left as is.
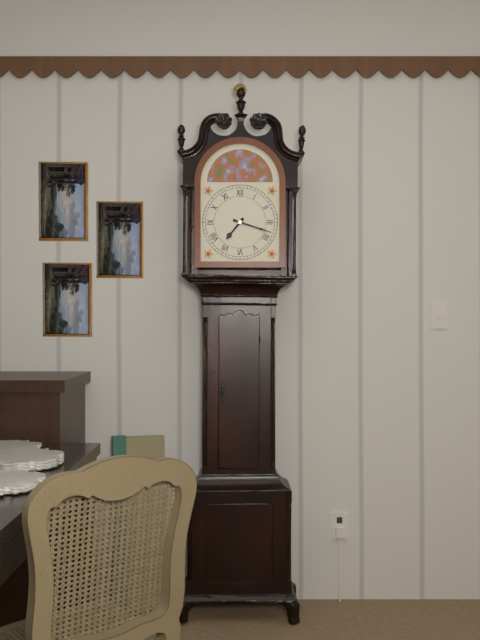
**7:18**
